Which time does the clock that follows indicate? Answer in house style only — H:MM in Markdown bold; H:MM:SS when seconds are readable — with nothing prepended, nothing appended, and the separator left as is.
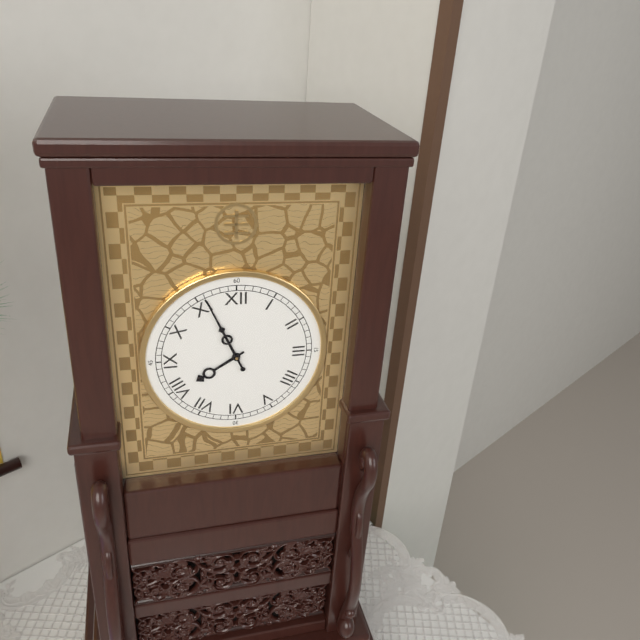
**7:56**
